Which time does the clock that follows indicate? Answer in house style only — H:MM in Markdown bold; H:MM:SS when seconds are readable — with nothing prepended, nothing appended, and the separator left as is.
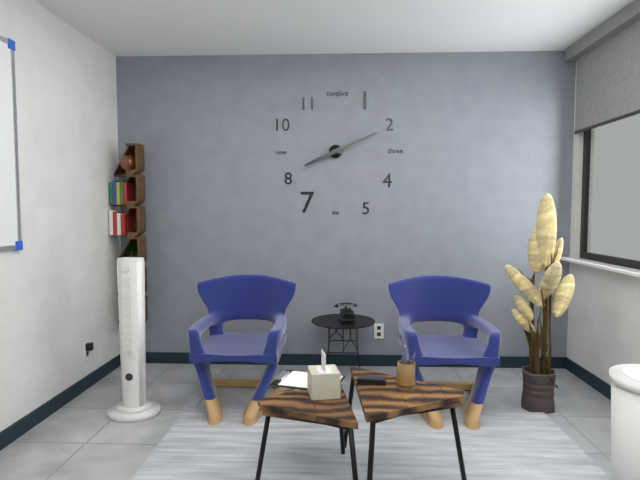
**8:11**
